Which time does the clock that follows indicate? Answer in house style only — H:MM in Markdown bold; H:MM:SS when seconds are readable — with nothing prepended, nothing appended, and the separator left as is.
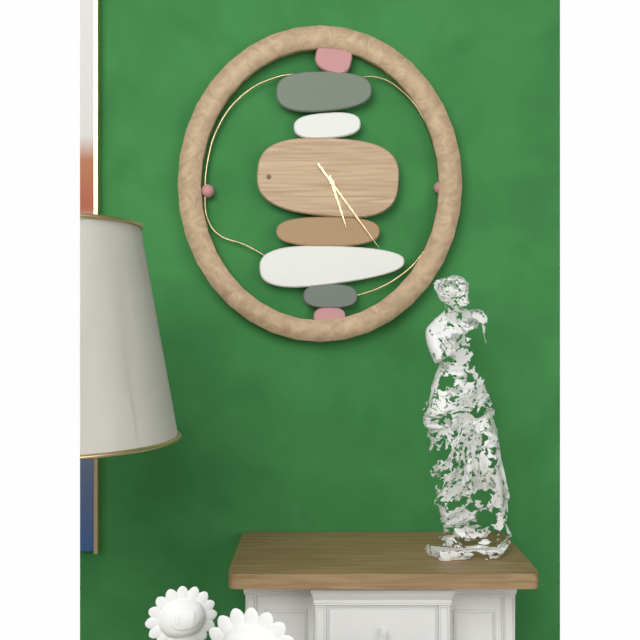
**5:24**
